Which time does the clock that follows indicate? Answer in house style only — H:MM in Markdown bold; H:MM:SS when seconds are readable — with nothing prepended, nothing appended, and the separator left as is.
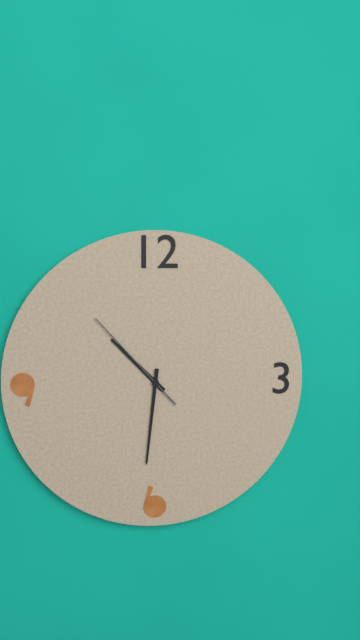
**10:31:53**
